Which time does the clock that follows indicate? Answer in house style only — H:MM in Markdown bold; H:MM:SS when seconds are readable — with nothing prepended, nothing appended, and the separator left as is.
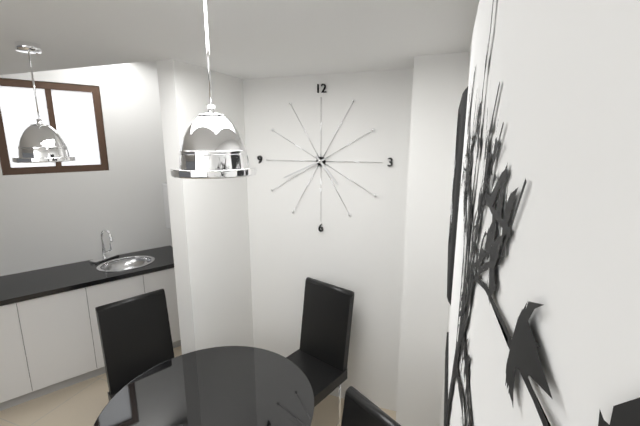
**4:41**
